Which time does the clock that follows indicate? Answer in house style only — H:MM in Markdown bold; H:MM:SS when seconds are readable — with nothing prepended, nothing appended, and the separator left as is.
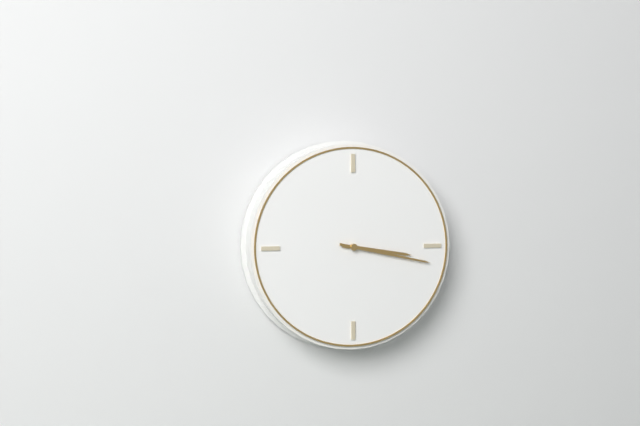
**3:17**
